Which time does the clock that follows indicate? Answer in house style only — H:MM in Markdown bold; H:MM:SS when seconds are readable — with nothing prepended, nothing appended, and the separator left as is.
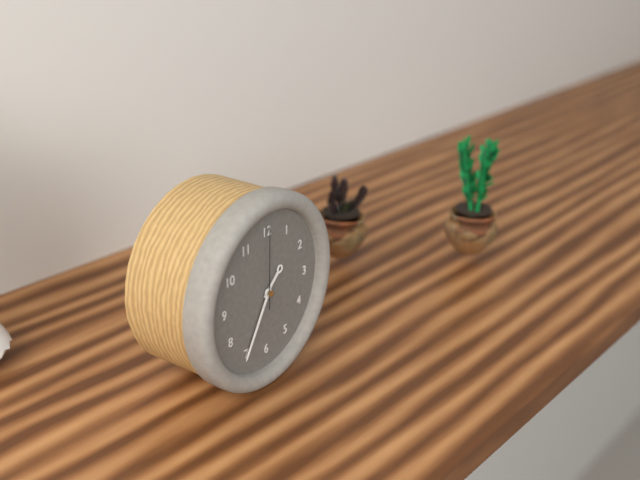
**1:35:00**
